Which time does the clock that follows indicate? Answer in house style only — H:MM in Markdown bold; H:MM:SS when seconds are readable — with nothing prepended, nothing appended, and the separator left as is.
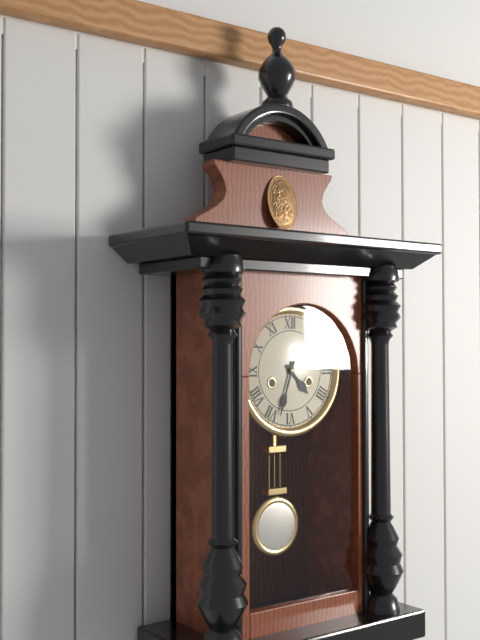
**4:33**
